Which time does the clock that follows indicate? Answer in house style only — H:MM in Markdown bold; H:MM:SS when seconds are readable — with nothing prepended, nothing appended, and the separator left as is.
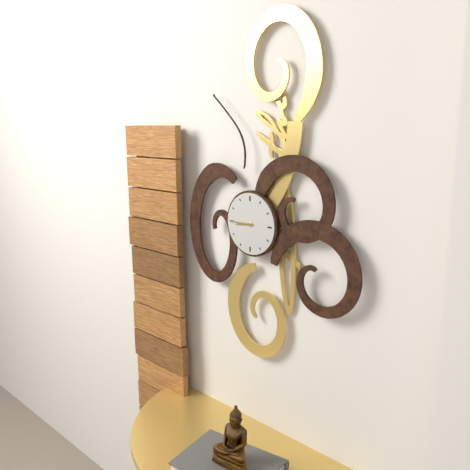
**8:45**
